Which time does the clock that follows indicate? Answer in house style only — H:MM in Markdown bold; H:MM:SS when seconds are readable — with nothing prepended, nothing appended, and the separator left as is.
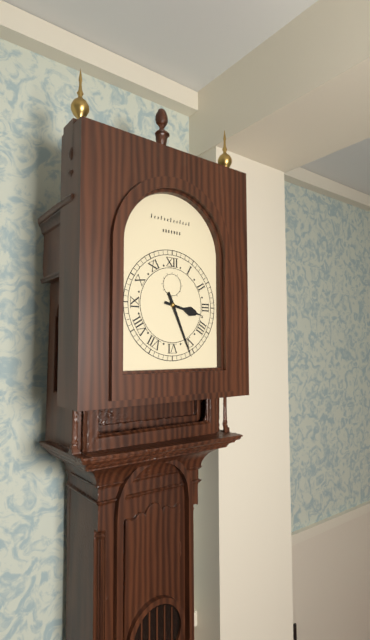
**3:26**
